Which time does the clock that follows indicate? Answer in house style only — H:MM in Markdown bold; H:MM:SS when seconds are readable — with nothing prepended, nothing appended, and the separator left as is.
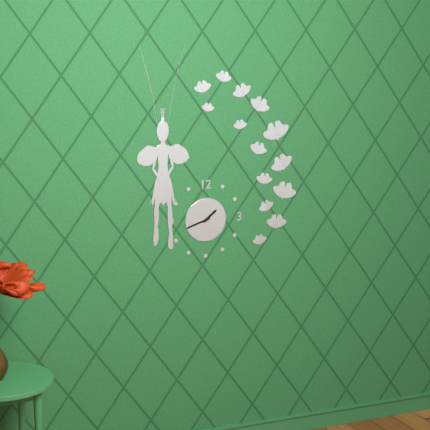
**1:42**
